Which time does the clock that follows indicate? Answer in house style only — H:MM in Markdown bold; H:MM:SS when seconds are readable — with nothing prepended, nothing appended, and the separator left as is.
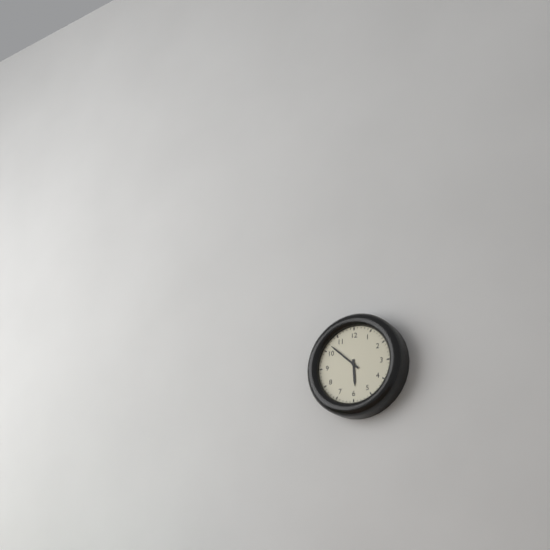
**5:52**
